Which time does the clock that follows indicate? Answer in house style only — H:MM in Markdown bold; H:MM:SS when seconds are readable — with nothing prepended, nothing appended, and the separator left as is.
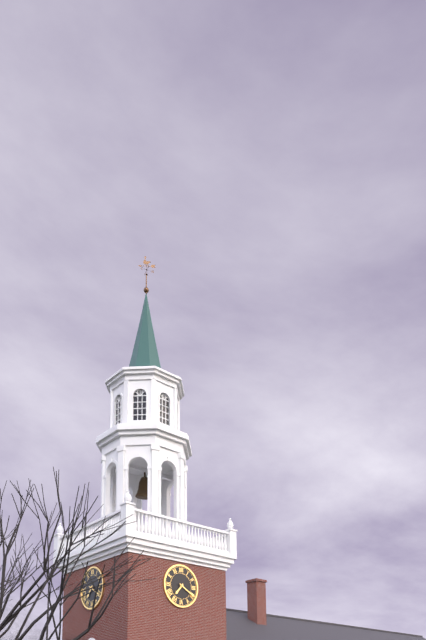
**7:20**
